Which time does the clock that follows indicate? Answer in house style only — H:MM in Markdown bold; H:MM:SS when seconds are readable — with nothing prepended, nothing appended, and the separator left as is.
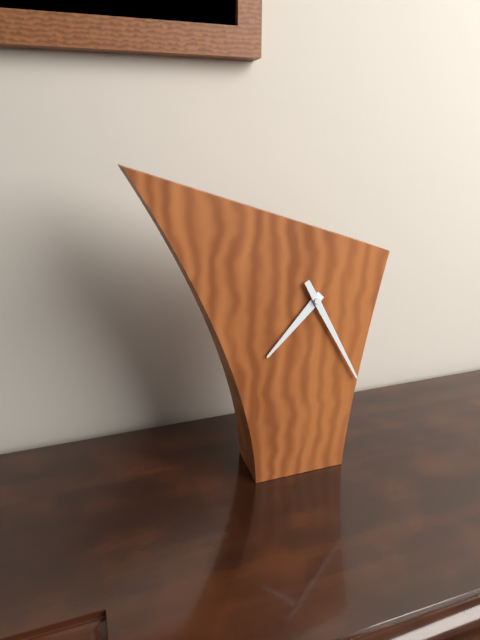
**7:25**
